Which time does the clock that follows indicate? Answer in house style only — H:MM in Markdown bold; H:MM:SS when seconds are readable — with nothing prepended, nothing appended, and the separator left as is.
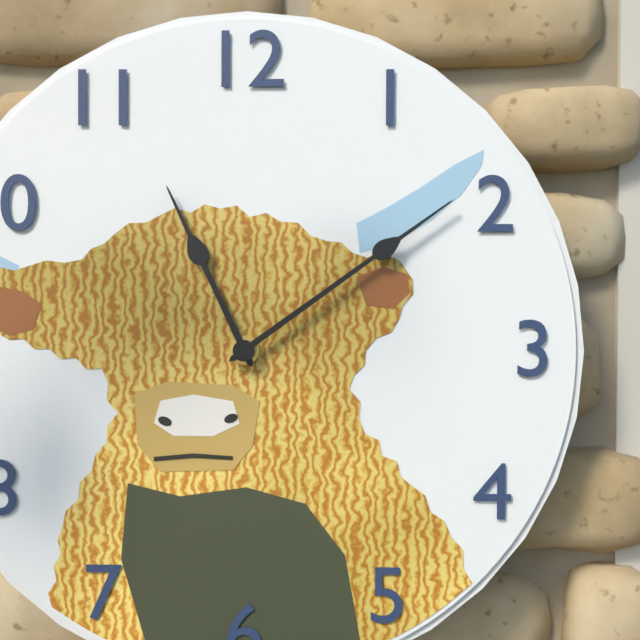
**11:09**
